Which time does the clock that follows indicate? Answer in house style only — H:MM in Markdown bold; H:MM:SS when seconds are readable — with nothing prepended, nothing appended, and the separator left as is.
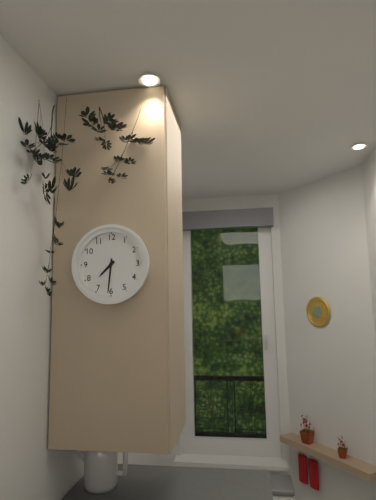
**7:31**
